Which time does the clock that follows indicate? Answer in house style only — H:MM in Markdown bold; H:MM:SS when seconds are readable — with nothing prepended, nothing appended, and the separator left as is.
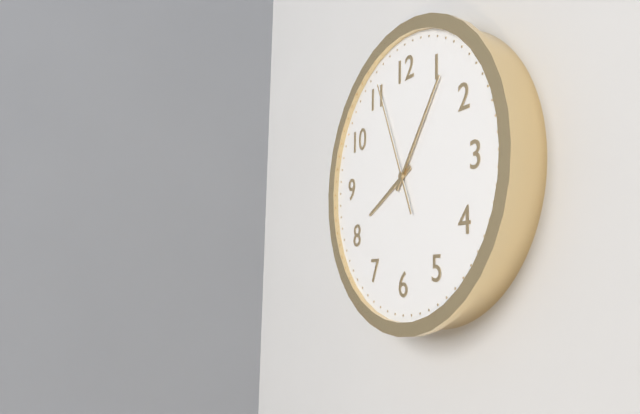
**8:06:56**
